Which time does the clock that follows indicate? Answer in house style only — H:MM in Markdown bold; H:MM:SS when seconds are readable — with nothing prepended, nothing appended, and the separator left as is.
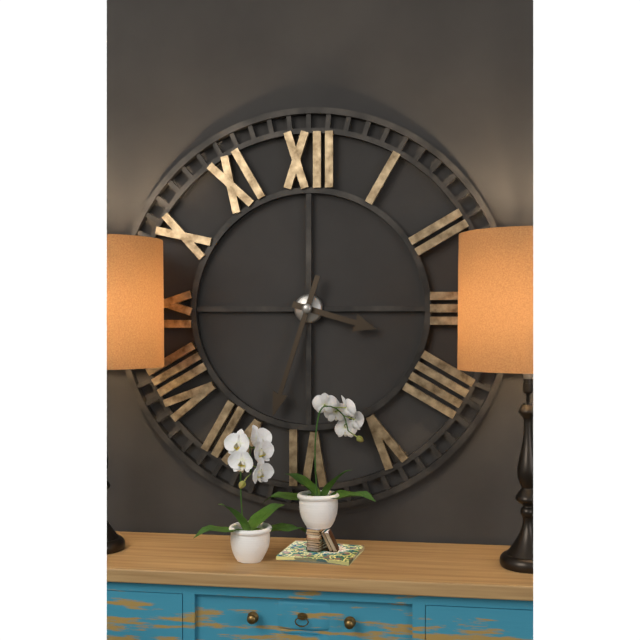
**3:33**
